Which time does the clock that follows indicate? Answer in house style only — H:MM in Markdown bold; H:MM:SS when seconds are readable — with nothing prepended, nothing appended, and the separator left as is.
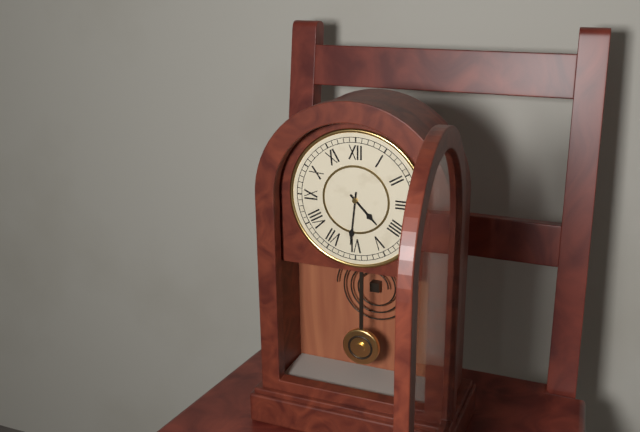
**4:31**
